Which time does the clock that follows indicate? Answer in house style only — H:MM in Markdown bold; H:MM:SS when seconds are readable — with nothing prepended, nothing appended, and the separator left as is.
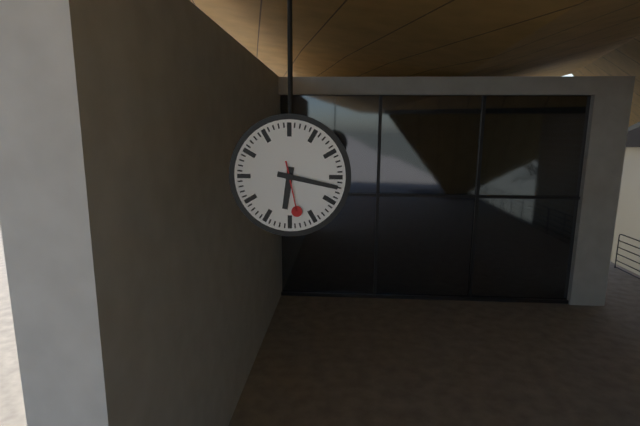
**6:17:28**
